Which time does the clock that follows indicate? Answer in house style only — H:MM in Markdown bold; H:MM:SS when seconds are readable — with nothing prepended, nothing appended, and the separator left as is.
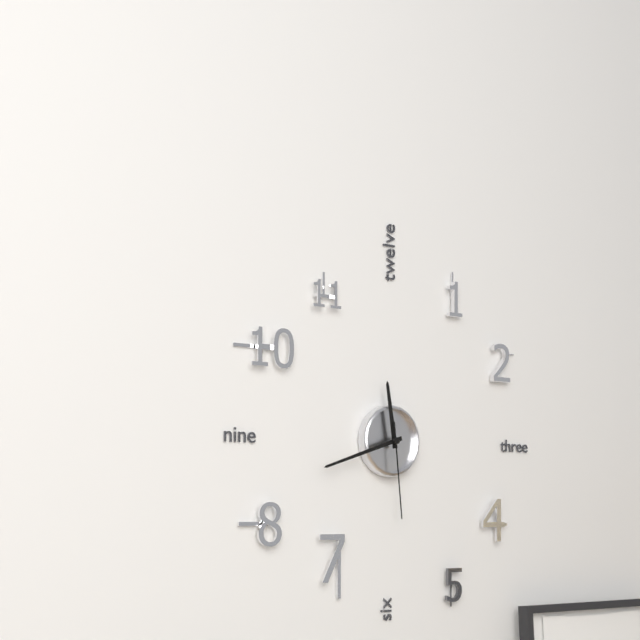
**11:42:29**
